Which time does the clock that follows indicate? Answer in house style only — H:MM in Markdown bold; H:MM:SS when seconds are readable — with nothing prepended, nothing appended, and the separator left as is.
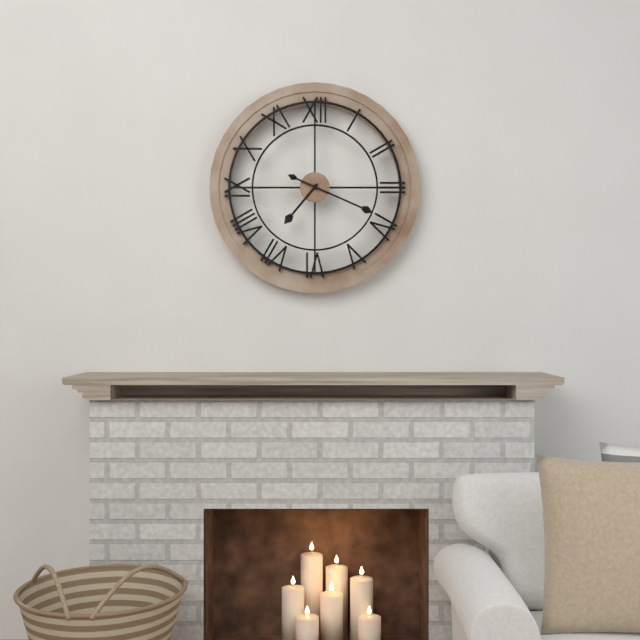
**7:19**
